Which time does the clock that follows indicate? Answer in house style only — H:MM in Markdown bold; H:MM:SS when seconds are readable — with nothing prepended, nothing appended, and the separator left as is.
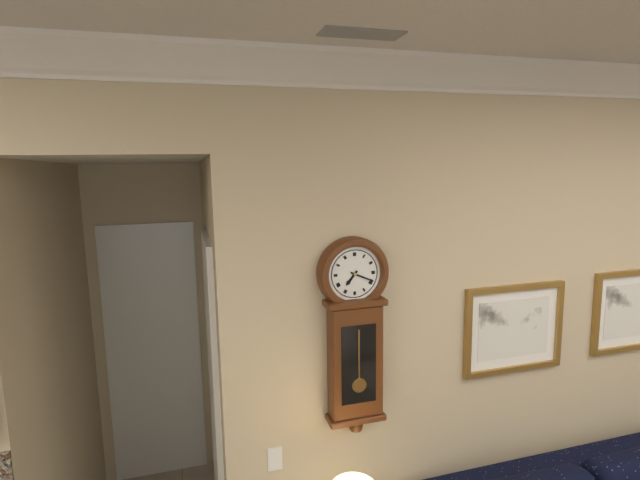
**7:19**
